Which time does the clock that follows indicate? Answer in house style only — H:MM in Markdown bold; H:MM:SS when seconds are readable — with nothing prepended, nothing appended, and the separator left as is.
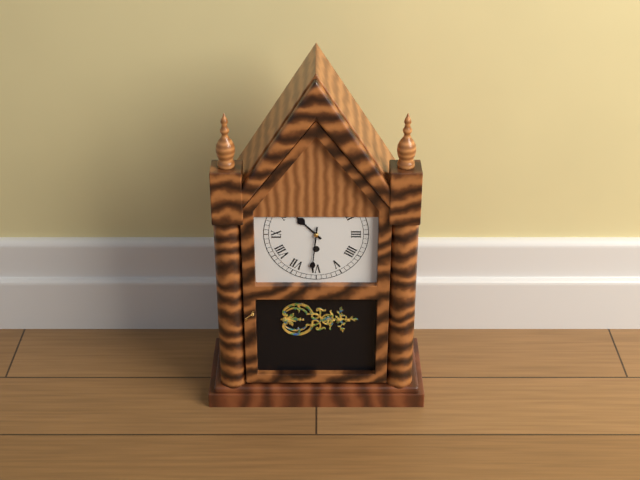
**10:31**
